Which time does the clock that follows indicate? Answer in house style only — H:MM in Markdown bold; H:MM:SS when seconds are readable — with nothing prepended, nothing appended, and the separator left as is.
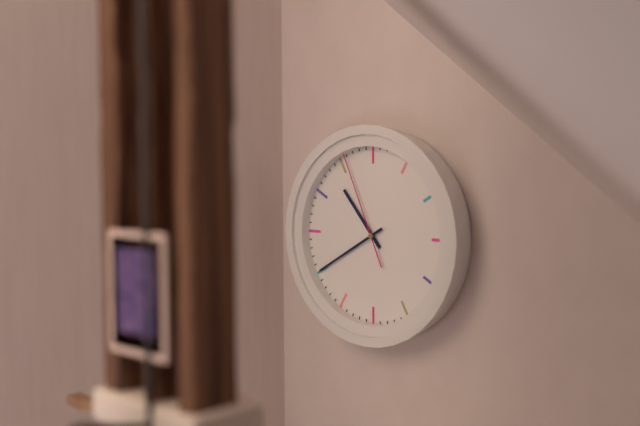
**10:40:56**
